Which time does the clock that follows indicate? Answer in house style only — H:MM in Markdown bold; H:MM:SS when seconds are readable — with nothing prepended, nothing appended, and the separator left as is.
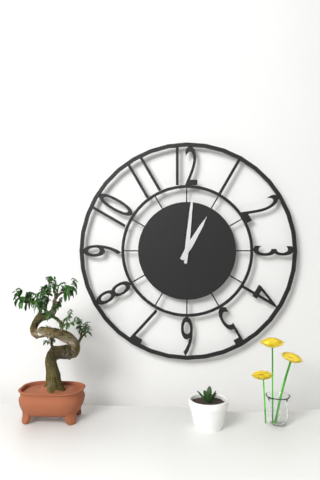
**1:01**
